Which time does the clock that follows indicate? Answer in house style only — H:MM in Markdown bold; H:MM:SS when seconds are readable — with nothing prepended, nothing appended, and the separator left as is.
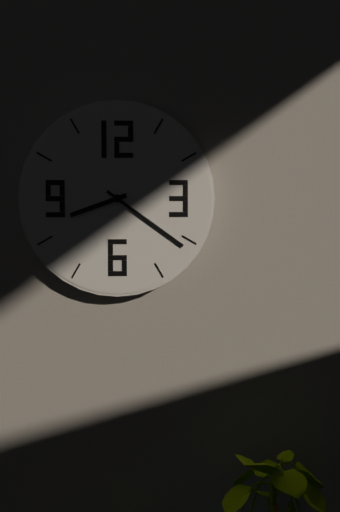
**8:21**
